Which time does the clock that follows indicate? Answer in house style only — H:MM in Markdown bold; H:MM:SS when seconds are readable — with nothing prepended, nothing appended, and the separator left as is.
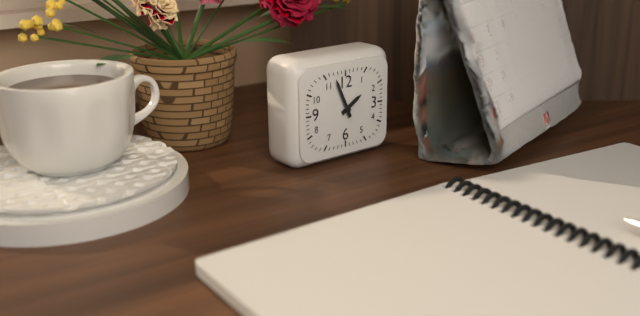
**1:56**
